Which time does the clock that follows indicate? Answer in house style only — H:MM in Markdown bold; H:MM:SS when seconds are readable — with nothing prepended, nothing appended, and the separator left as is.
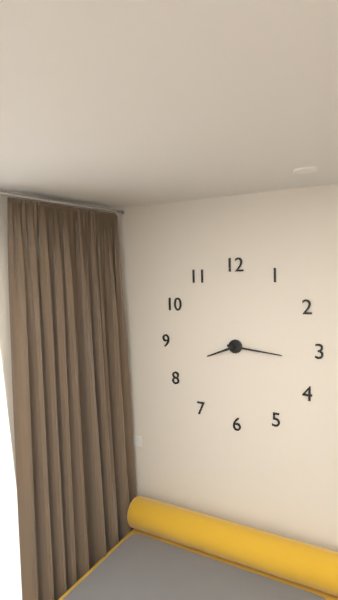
**8:16**
